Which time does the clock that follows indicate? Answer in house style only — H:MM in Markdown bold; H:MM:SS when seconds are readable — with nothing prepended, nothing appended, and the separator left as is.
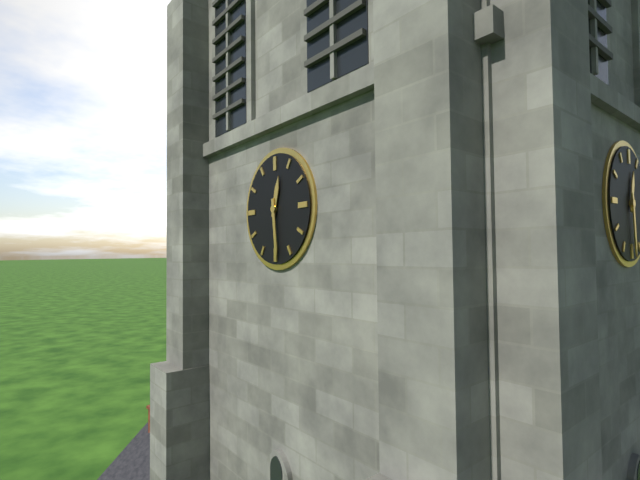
**12:29**
